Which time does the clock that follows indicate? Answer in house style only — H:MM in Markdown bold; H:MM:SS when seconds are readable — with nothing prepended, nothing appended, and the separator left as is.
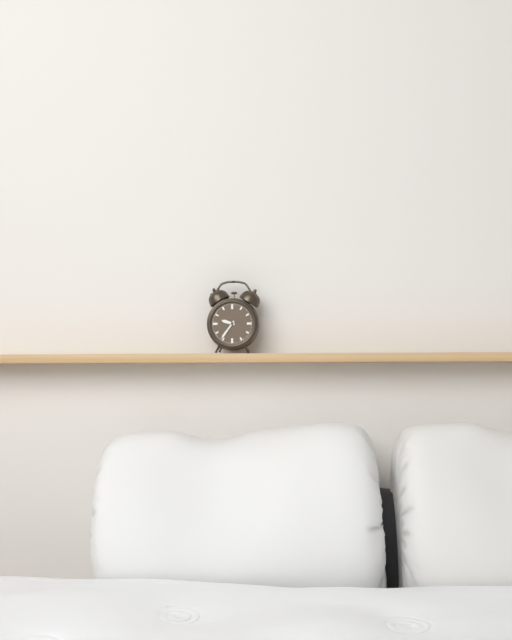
**9:36**
